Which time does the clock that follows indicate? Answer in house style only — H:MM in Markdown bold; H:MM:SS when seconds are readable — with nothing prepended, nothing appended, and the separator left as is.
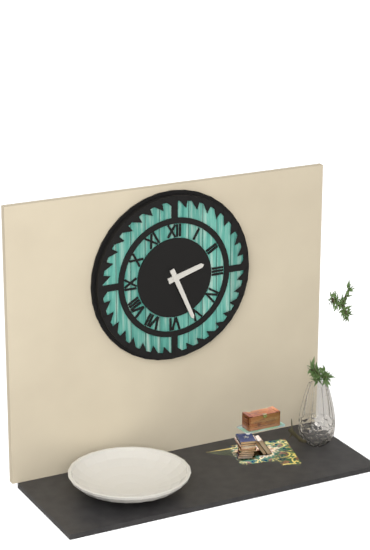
**2:26**
